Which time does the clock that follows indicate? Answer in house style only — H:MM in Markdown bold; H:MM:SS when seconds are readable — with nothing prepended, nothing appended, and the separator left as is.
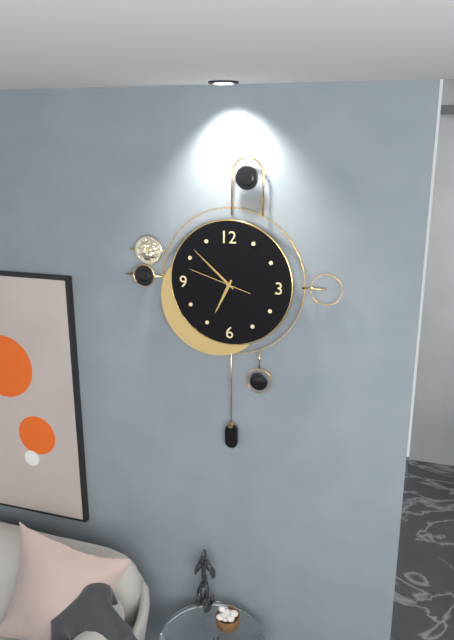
**6:52:48**
